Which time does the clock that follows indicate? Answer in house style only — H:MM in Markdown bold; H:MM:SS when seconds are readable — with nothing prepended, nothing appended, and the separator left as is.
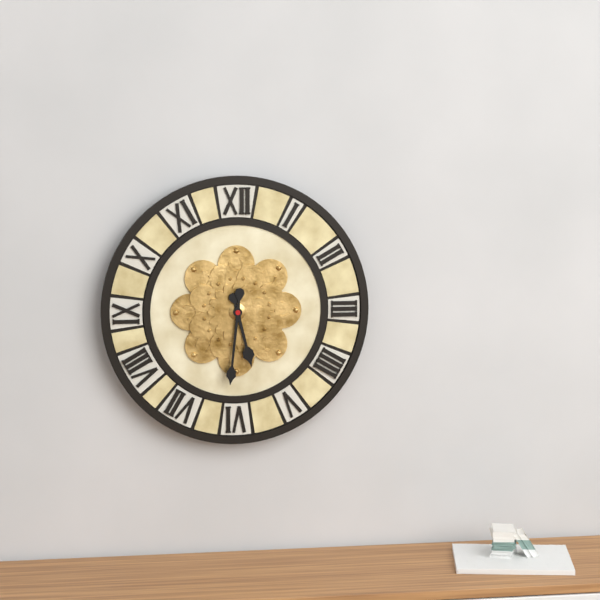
**5:31**
